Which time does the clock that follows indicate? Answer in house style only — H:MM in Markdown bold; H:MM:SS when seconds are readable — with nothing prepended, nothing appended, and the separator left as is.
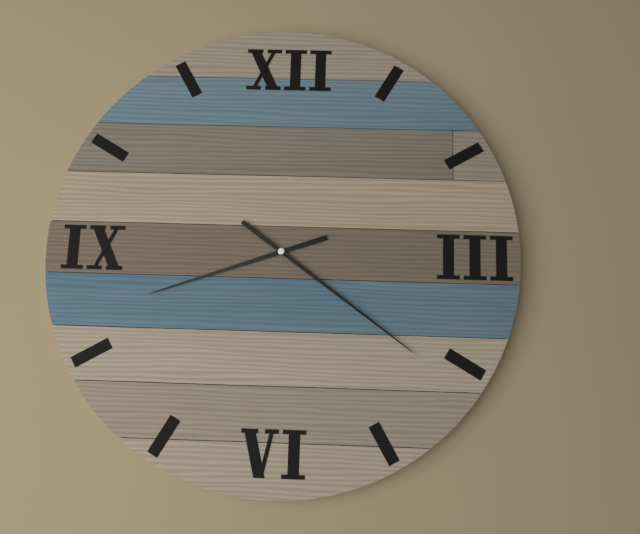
**8:21**
